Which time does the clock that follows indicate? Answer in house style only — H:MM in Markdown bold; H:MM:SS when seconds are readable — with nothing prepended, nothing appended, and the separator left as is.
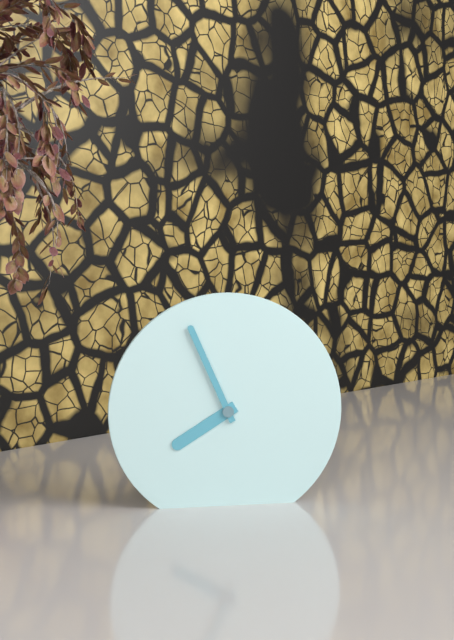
**7:56**
